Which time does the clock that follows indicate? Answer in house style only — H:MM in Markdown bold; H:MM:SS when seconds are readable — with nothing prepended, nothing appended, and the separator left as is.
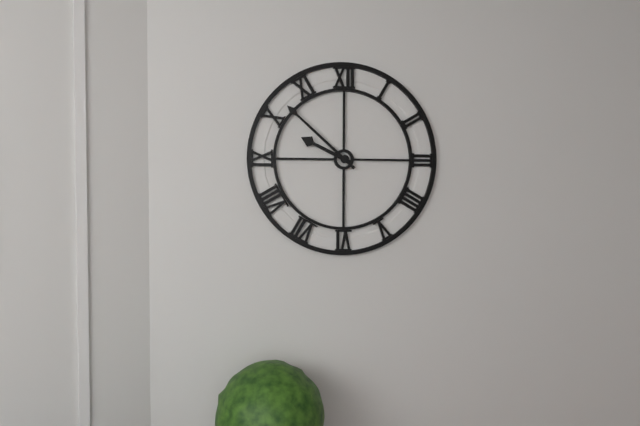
**9:52**
